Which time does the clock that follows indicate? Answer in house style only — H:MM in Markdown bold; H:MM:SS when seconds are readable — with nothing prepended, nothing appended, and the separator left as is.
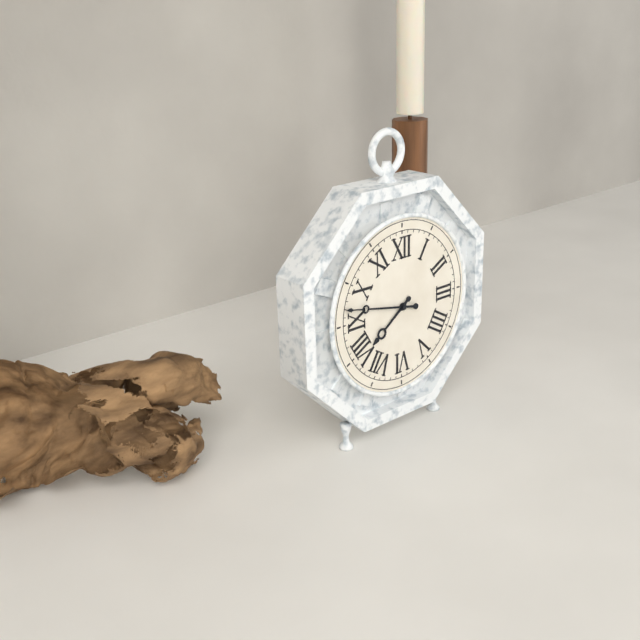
**7:47**
